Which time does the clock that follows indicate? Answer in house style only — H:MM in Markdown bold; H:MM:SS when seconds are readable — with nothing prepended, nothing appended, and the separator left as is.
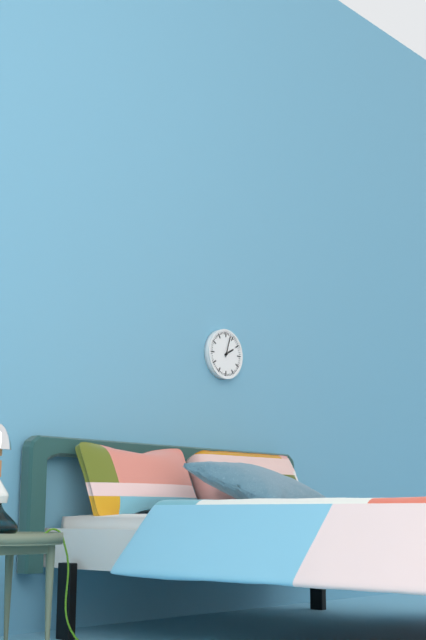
**2:03**
